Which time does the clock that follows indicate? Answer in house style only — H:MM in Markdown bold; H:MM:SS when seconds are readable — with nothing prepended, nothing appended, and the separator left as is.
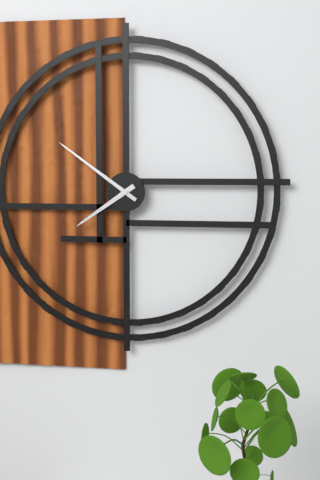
**7:51**
